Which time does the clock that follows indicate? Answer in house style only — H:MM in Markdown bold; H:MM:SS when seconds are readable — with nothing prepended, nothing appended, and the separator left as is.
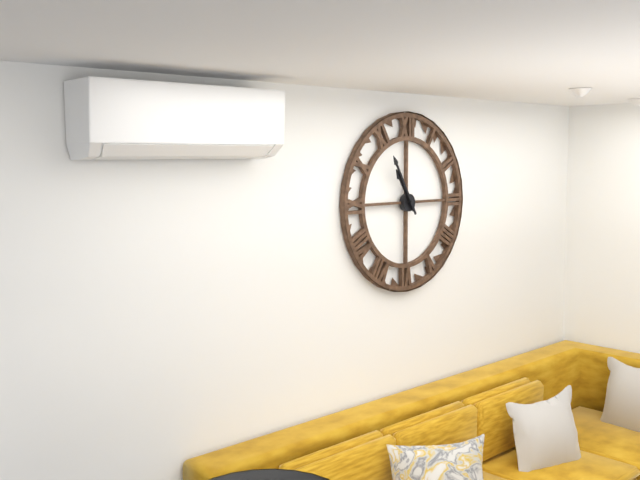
**10:55**
